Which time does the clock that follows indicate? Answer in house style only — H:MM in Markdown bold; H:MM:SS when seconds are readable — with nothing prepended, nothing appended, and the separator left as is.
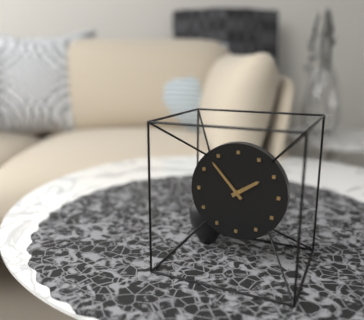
**1:53**
